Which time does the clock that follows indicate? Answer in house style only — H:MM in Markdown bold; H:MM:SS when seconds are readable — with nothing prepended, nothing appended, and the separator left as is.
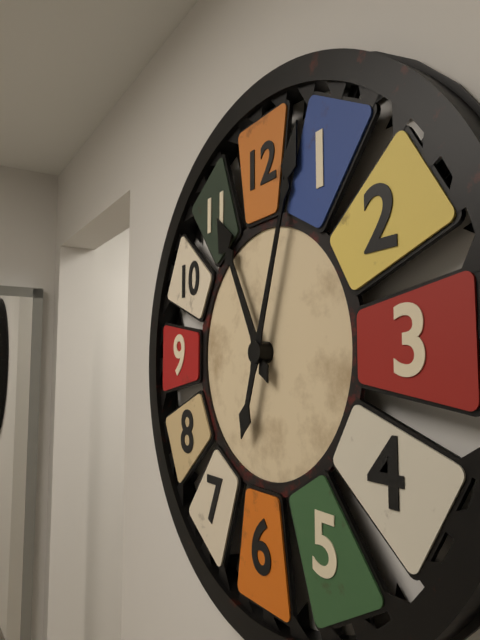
**11:03**
